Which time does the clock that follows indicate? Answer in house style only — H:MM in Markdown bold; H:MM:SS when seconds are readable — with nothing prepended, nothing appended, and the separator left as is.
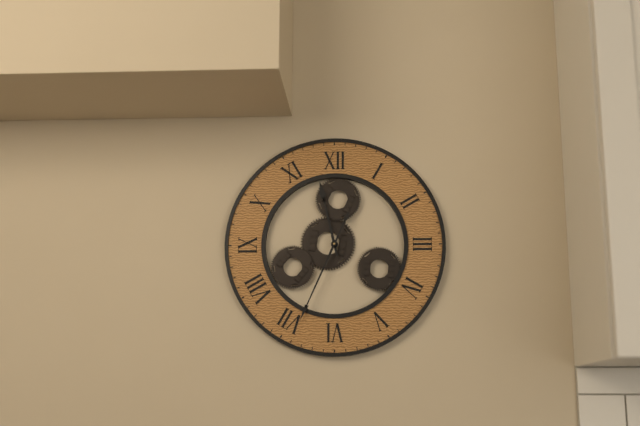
**11:34**
